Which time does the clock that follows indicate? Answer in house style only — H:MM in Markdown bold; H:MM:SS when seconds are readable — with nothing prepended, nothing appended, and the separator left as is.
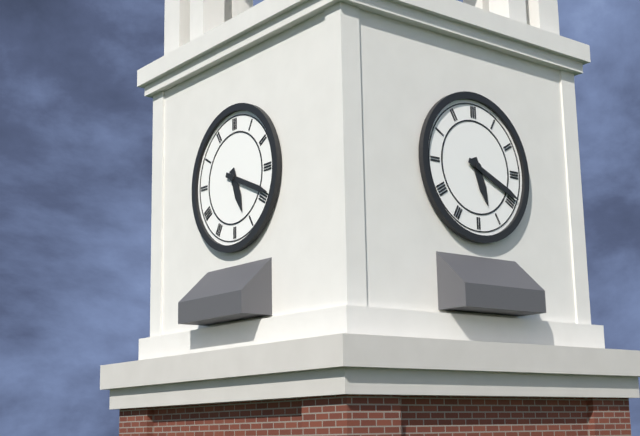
**5:19**
